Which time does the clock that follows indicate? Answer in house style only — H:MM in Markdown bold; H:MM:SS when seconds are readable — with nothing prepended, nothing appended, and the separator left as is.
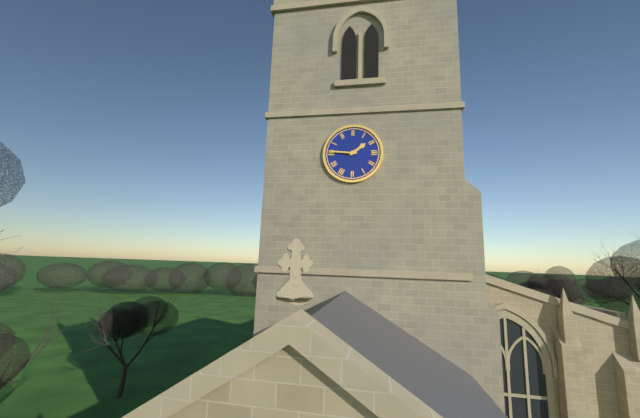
**1:46**
